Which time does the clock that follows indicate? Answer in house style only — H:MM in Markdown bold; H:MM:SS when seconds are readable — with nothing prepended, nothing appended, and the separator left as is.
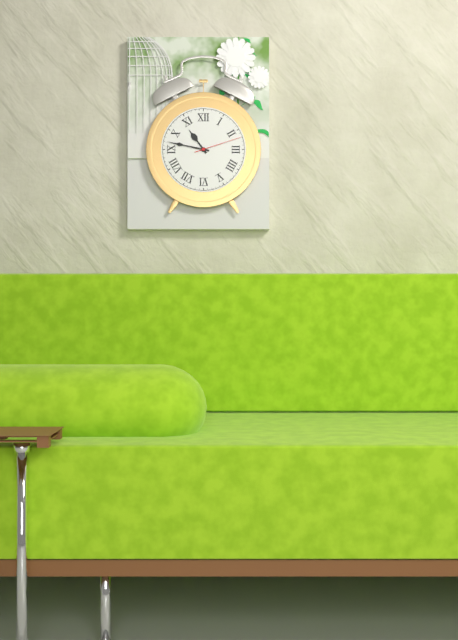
**10:47**
